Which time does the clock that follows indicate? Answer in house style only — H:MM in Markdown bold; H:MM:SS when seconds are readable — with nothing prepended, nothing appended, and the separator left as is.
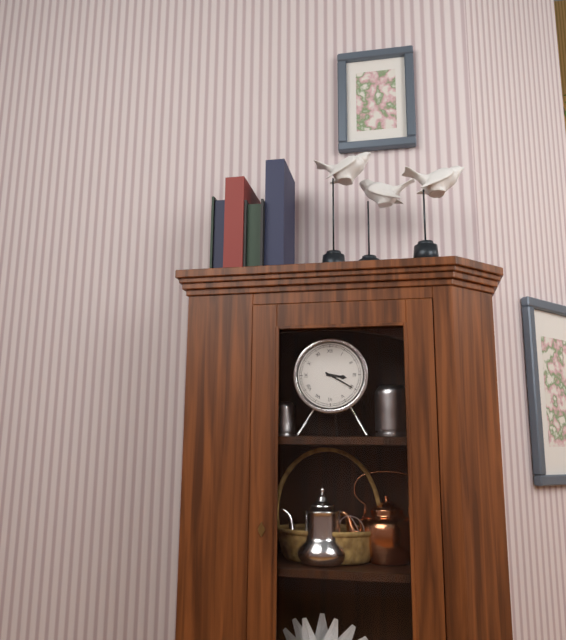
**3:20**
